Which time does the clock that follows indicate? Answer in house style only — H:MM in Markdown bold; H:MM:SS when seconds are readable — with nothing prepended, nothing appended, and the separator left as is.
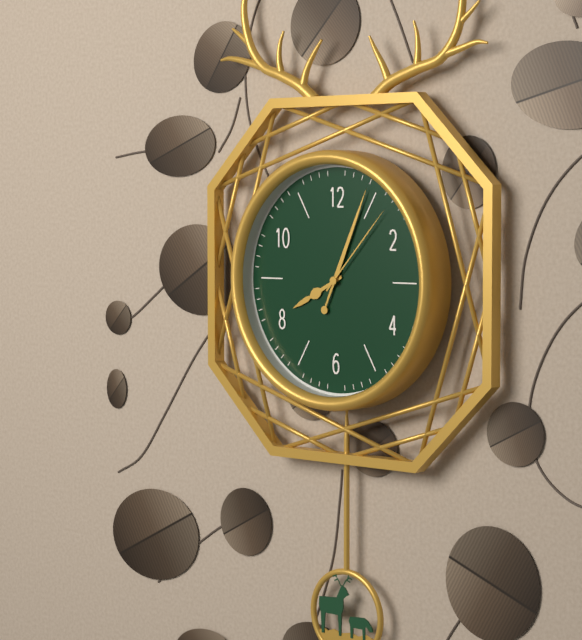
**8:04:07**
